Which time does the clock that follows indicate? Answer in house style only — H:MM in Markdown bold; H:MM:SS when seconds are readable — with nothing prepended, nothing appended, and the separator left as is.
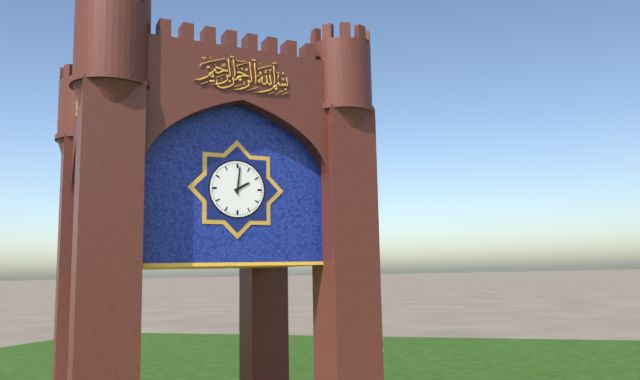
**2:01**
